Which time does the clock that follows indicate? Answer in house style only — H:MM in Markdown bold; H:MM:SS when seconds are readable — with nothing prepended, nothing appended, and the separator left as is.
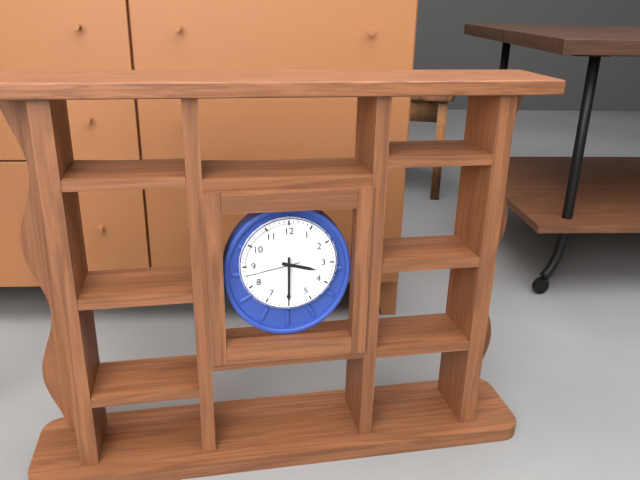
**3:30:43**
